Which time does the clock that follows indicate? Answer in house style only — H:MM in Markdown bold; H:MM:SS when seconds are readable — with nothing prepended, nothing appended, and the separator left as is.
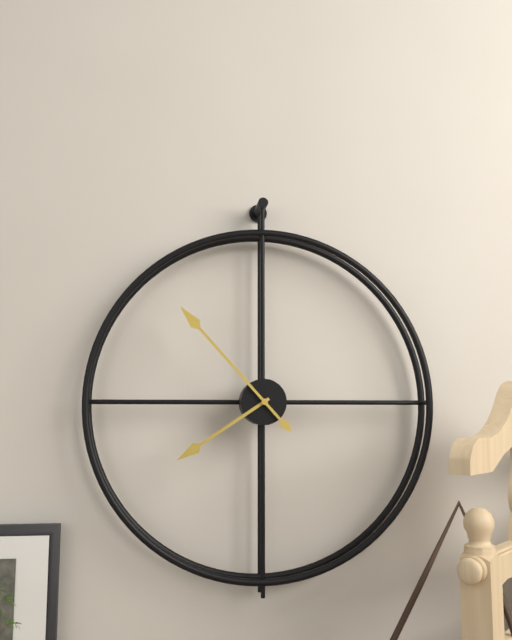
**7:53**
